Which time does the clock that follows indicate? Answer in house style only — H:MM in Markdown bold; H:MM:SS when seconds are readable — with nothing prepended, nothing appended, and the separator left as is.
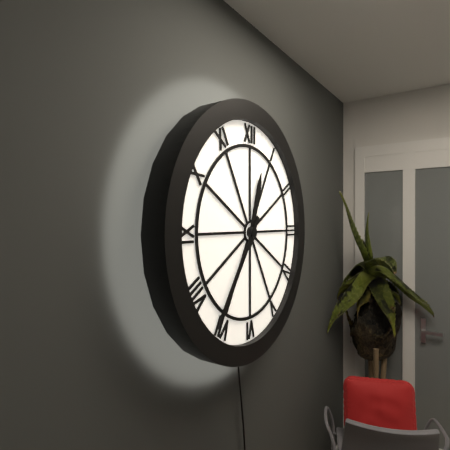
**12:36**
